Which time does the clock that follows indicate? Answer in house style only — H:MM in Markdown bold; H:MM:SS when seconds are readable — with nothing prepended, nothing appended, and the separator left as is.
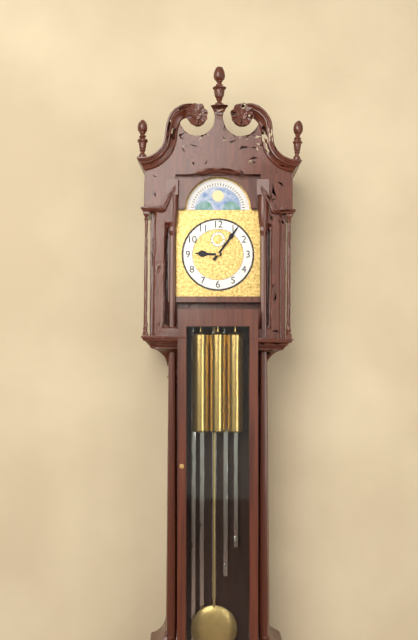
**9:06**
